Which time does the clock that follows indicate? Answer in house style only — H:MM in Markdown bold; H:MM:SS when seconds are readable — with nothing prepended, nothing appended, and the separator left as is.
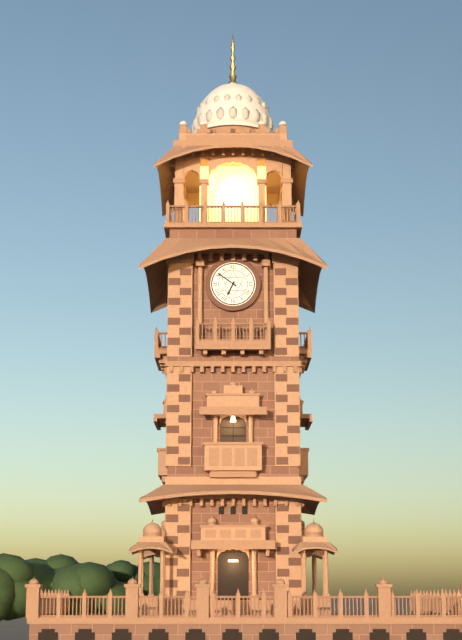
**6:51**
